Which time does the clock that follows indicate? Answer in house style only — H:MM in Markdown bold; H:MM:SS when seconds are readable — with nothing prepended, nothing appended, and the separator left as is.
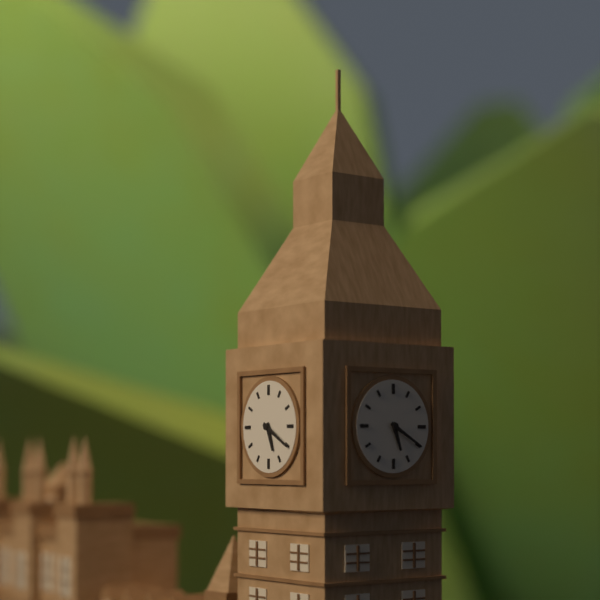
**5:20**
